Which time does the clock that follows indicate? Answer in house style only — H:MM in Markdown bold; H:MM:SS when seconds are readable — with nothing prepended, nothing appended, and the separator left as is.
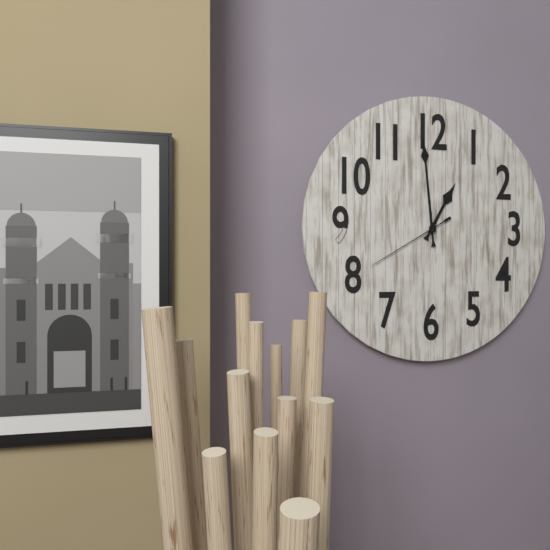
**12:59:40**
